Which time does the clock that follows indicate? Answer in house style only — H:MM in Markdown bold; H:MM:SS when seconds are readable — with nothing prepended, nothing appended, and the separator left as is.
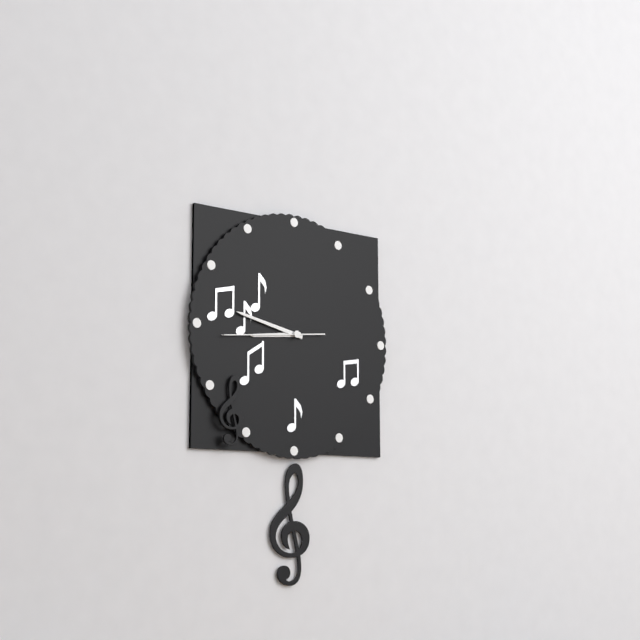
**8:47:44**
